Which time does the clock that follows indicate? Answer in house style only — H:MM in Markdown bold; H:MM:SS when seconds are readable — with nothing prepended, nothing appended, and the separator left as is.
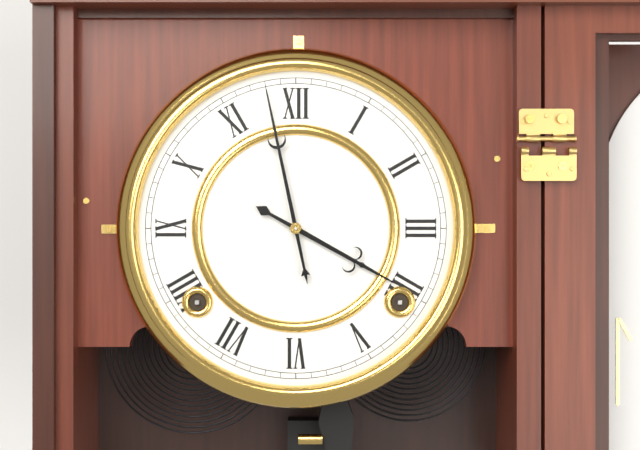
**3:58**
